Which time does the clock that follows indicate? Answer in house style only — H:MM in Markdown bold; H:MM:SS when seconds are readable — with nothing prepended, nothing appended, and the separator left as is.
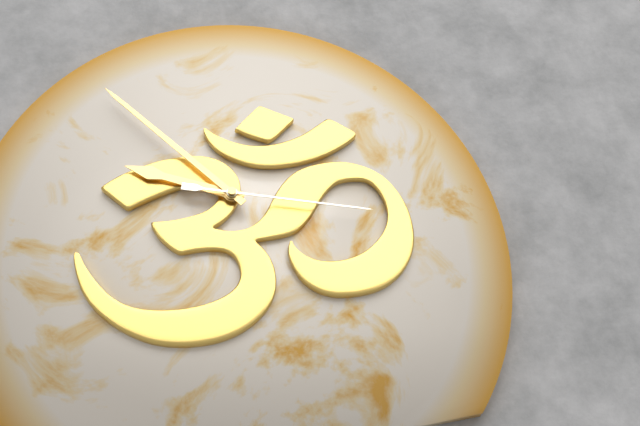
**9:54:18**
